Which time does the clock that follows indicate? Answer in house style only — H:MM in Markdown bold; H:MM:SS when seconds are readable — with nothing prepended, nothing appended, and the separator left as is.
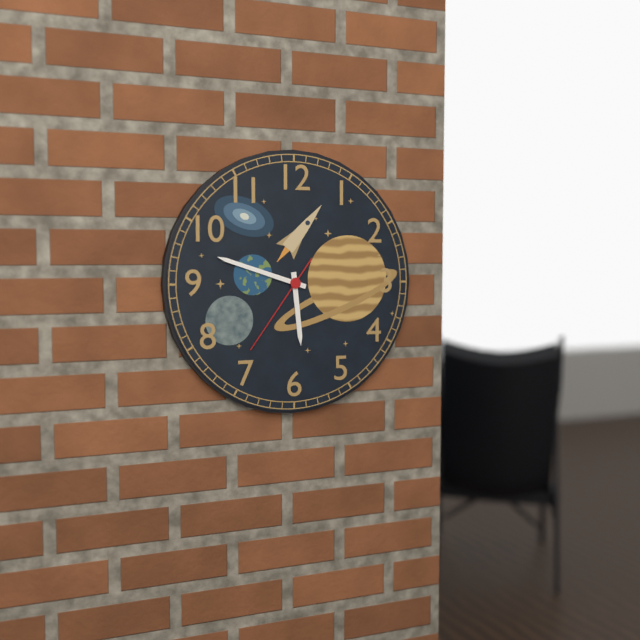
**5:48:36**
